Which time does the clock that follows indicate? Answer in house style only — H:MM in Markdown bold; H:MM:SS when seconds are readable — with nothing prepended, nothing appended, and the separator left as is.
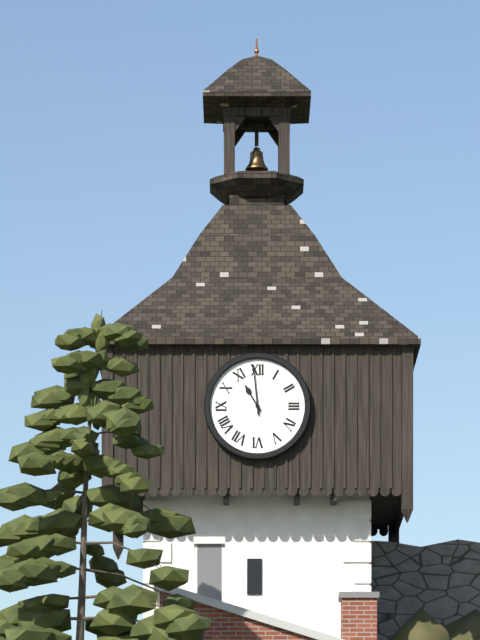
**10:59**
